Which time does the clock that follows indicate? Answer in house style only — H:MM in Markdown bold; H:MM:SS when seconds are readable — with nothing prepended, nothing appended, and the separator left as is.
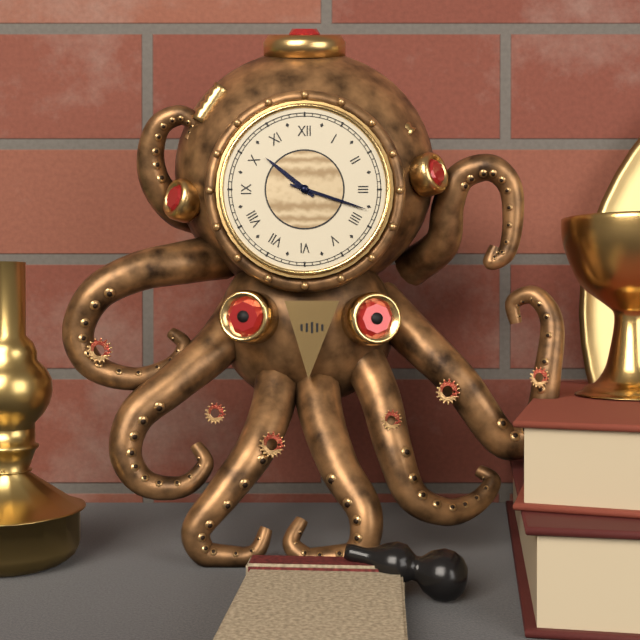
**10:18**
